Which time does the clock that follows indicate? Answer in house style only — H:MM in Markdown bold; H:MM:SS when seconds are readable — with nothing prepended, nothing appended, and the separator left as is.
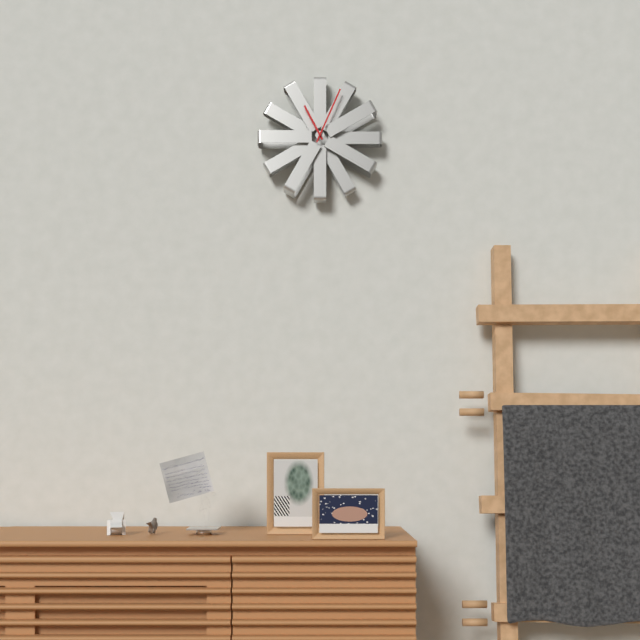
**11:04**
